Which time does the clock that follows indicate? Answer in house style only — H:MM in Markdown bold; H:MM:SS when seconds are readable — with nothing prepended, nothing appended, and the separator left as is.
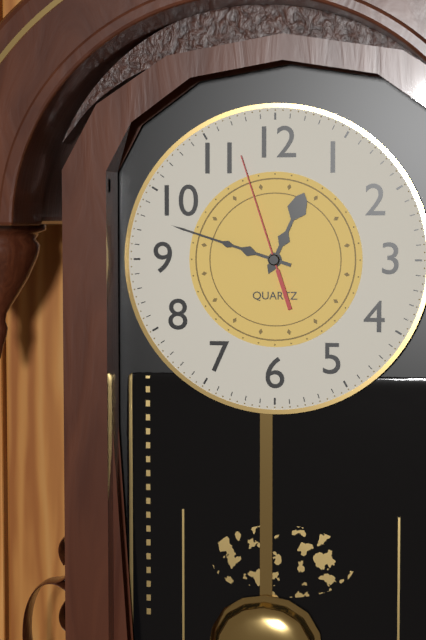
**12:48:57**
